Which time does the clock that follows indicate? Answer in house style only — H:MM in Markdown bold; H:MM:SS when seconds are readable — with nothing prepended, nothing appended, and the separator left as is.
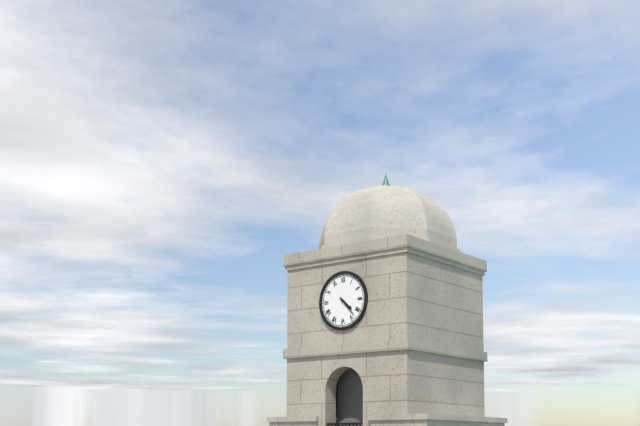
**4:23**
